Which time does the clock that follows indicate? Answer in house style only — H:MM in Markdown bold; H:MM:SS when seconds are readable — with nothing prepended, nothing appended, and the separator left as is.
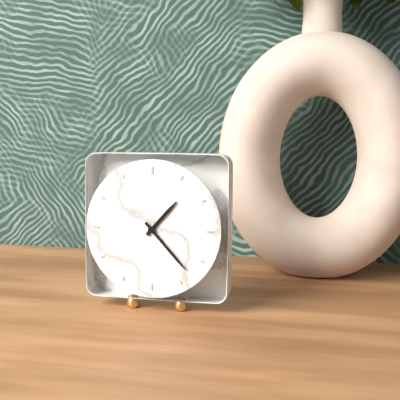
**1:23**
